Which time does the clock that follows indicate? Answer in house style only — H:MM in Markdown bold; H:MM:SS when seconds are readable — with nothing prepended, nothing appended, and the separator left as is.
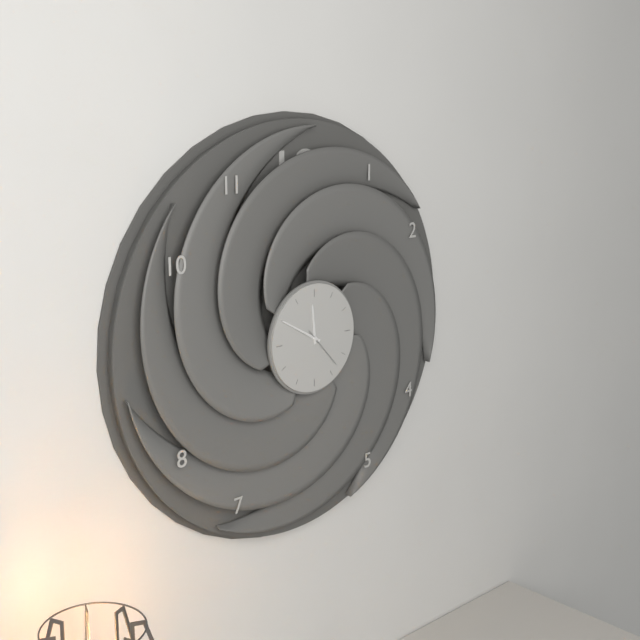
**11:50**
